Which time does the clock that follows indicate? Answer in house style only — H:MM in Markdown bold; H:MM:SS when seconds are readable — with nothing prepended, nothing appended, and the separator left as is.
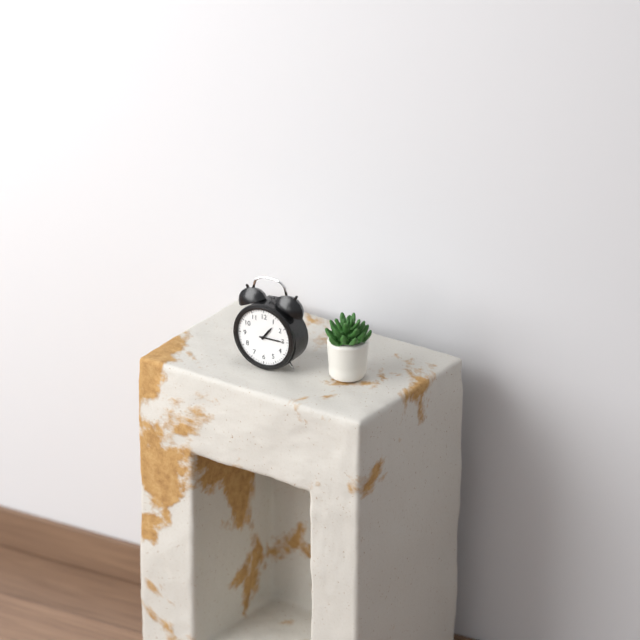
**1:15**
